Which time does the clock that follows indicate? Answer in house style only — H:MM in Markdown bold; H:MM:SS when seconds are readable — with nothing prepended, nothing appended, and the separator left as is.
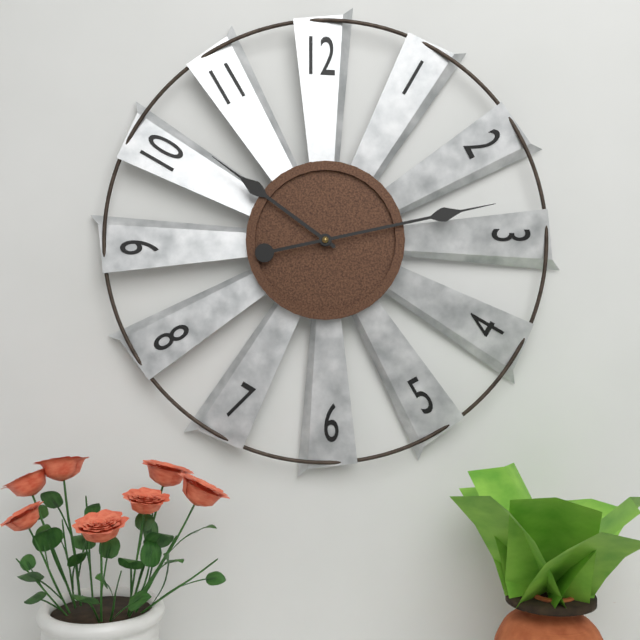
**10:13**
